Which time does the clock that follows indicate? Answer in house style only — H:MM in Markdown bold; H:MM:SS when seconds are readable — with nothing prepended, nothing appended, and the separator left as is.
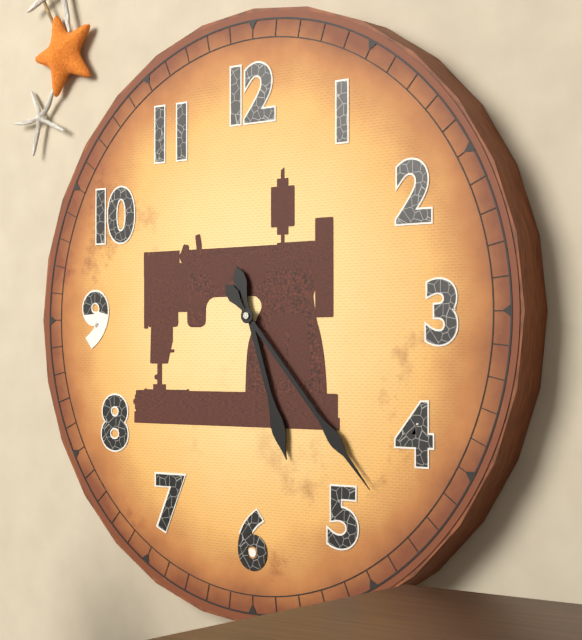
**5:23**
